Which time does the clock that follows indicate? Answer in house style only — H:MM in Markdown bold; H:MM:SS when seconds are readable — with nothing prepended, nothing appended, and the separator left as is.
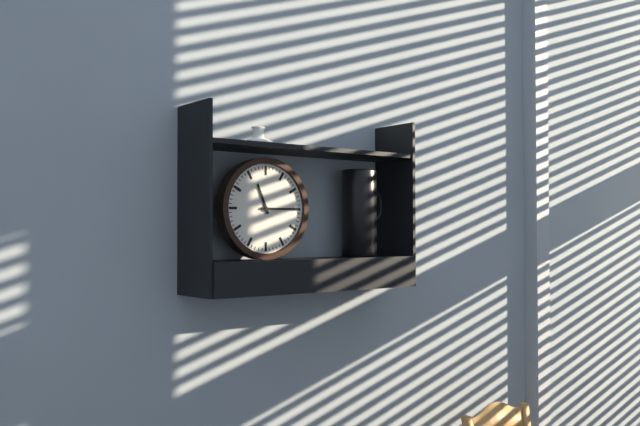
**11:15**
